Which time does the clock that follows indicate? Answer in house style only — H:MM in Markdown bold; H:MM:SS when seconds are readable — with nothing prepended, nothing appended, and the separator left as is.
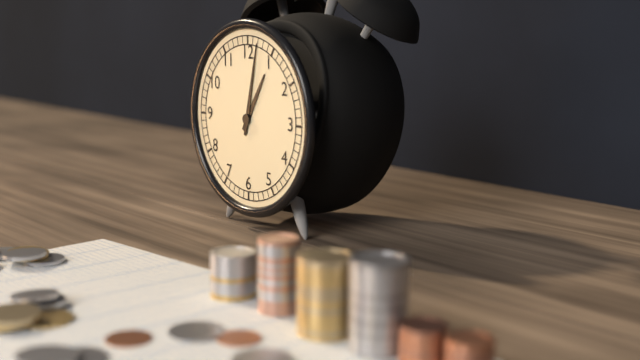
**1:02**
